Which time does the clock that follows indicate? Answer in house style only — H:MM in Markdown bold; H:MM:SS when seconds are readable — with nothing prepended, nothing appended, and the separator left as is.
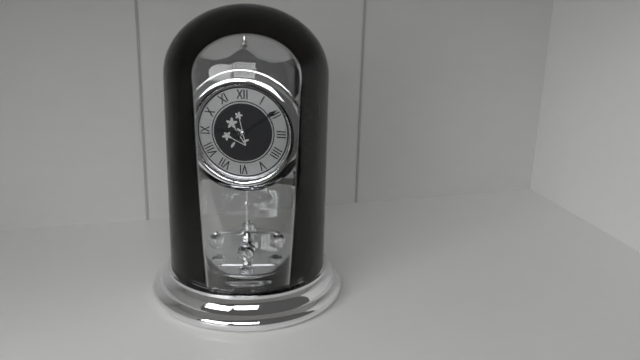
**9:09**
